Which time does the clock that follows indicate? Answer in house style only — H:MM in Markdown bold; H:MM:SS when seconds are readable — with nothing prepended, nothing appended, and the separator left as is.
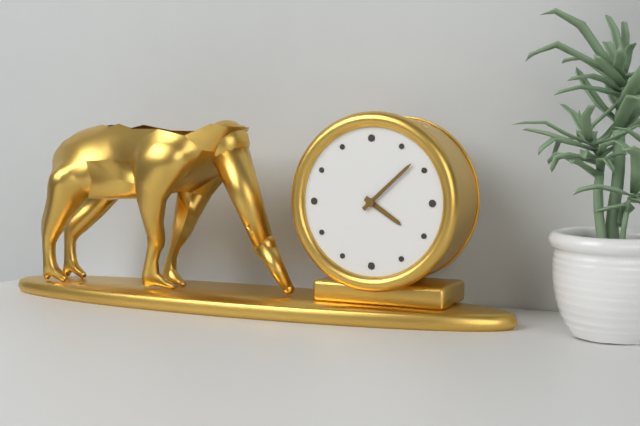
**4:08**
